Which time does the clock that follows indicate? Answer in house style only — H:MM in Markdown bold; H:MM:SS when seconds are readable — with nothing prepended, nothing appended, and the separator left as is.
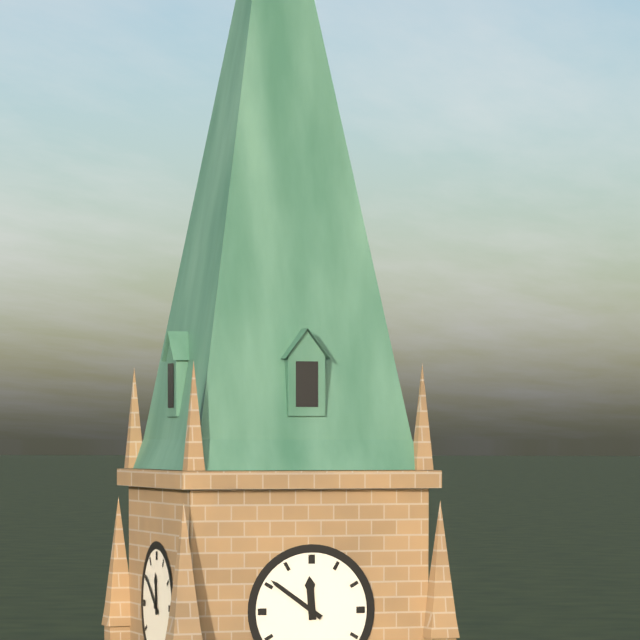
**11:51**
